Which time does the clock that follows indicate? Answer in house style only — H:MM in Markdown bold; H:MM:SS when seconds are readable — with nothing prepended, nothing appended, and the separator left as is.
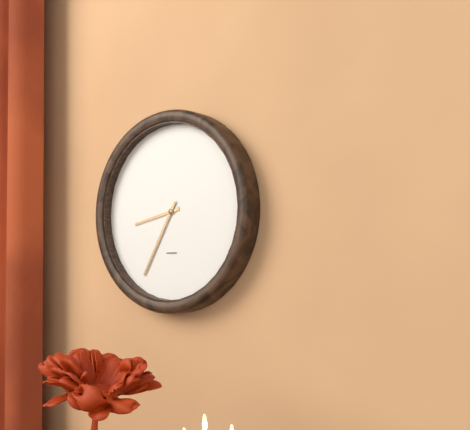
**8:35**
